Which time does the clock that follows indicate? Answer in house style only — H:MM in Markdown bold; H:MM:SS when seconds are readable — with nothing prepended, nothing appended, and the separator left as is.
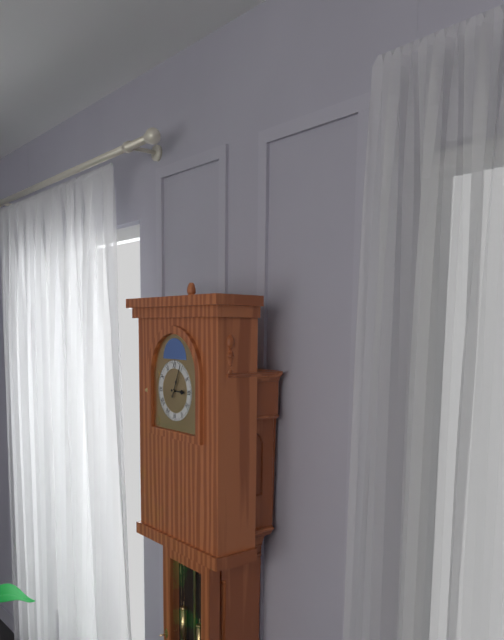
**3:04**
